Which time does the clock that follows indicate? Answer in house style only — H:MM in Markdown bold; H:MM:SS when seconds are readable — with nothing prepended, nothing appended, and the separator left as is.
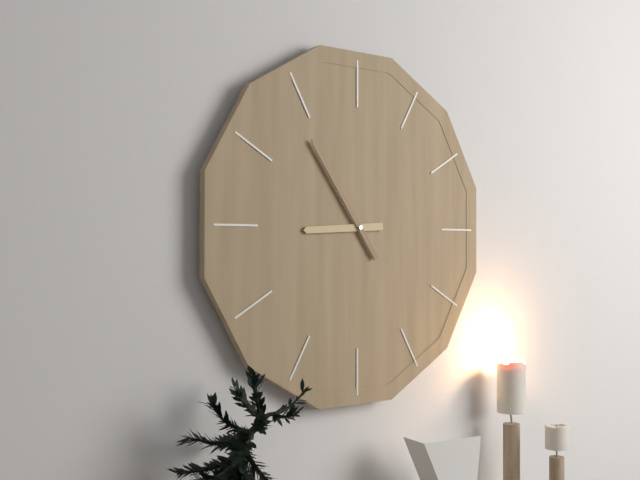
**8:54**
